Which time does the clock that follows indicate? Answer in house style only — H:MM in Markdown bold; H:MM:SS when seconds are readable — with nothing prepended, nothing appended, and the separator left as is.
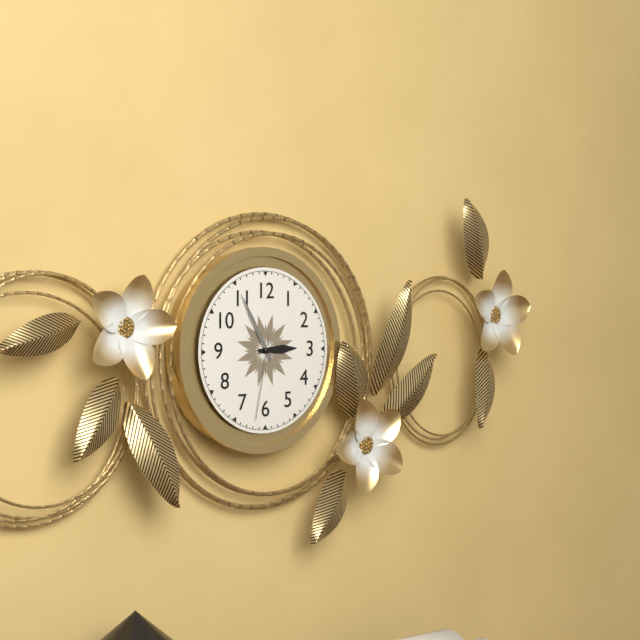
**2:55:32**
